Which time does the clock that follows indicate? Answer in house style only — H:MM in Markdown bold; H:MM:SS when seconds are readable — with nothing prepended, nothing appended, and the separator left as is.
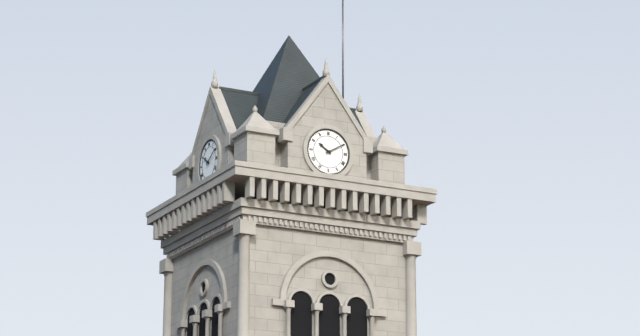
**10:10**
